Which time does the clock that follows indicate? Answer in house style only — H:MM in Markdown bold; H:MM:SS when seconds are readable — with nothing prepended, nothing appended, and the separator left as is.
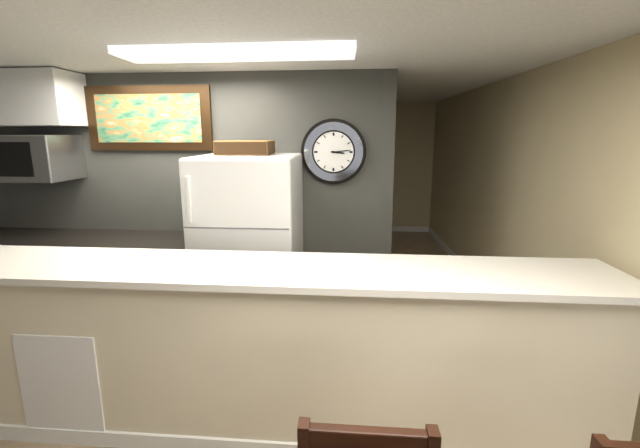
**3:14**
